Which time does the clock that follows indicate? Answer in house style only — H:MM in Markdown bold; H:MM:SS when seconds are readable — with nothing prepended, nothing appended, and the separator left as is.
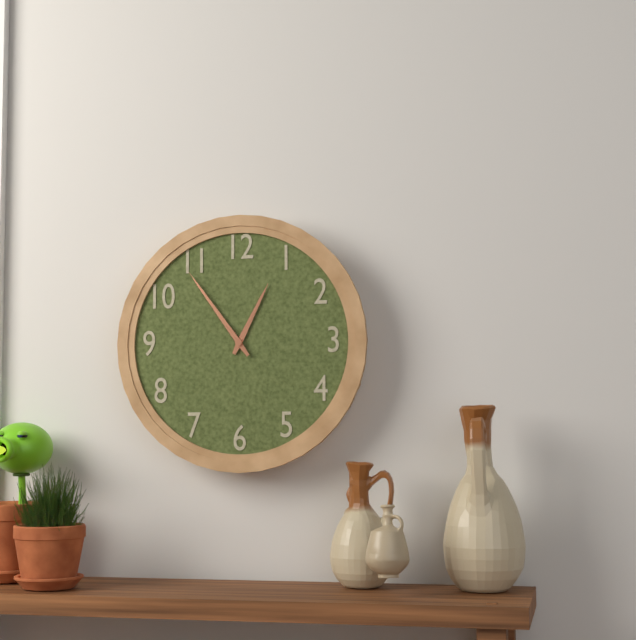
**12:54**
